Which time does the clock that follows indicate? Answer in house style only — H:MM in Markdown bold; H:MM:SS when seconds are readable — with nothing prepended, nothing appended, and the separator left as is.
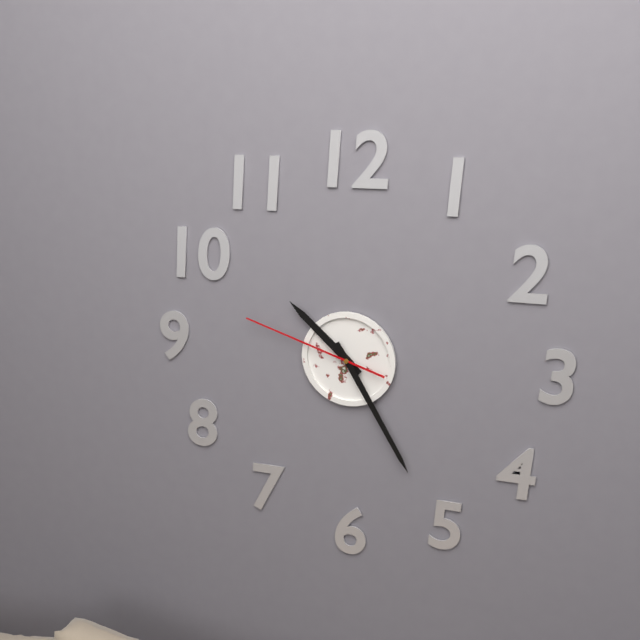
**10:25:48**
